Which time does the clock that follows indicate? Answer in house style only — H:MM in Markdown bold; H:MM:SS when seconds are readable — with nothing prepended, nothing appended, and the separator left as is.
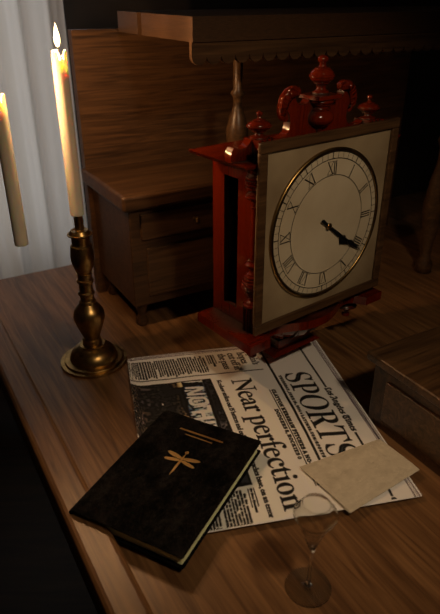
**4:21**
